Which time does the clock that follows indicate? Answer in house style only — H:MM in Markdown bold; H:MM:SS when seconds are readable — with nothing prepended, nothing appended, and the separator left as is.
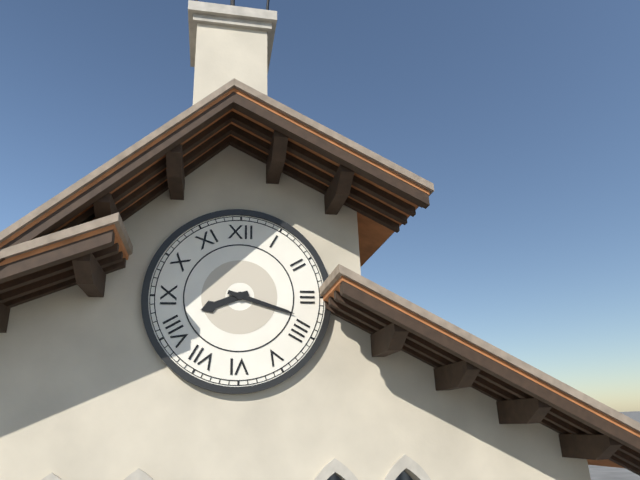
**8:18**
